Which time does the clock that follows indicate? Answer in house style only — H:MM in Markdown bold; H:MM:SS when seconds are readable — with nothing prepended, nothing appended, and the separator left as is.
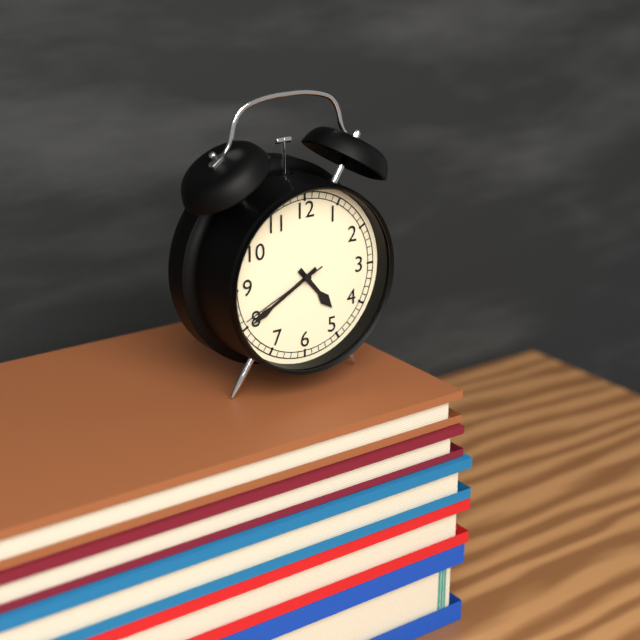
**4:40:41**
